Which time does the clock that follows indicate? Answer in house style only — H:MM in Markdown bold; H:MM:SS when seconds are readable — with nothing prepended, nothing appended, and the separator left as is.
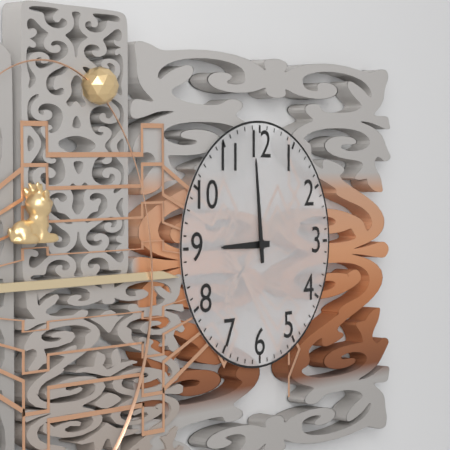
**8:59**
